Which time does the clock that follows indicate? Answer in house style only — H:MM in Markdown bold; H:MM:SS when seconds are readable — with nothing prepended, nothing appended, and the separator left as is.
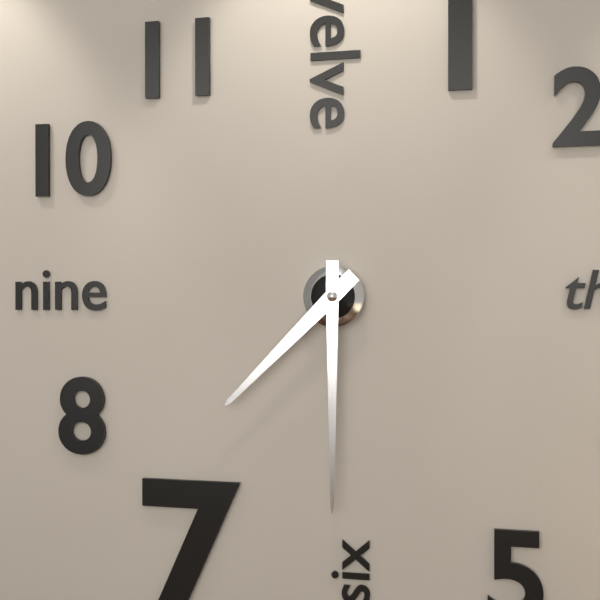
**7:30**
